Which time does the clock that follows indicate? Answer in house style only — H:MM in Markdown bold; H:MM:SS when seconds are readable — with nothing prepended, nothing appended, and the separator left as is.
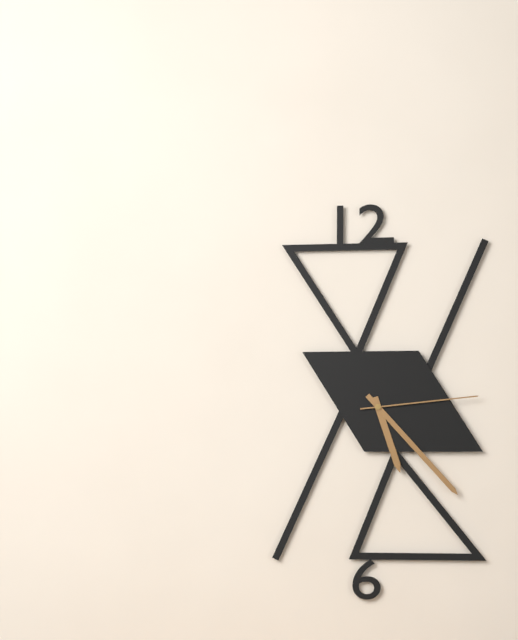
**5:23:14**
